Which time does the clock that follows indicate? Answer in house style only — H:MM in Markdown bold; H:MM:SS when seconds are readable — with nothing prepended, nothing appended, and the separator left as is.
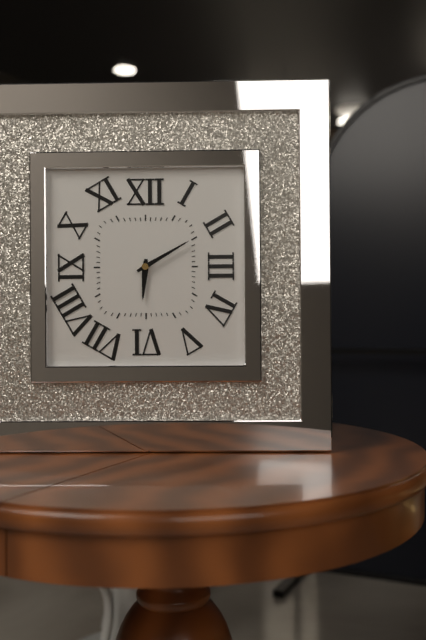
**6:10**
